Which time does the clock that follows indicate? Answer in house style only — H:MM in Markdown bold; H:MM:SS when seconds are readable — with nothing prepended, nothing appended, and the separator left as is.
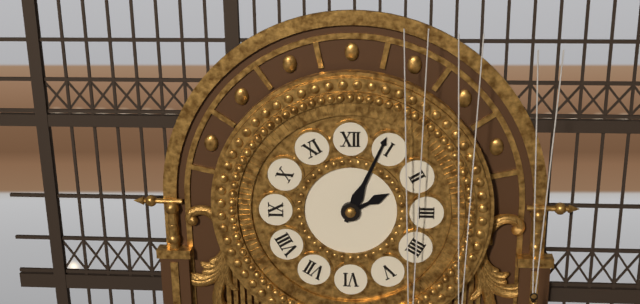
**2:04**
